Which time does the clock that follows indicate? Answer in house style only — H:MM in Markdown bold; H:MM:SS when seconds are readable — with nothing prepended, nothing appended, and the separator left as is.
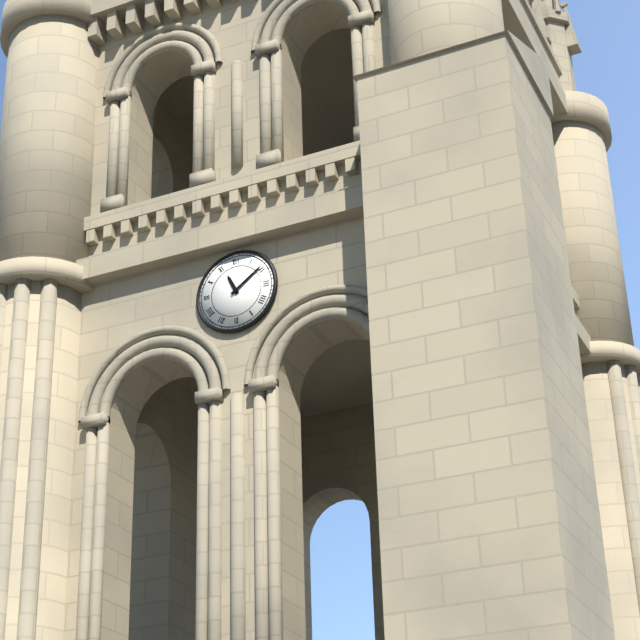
**11:09**
